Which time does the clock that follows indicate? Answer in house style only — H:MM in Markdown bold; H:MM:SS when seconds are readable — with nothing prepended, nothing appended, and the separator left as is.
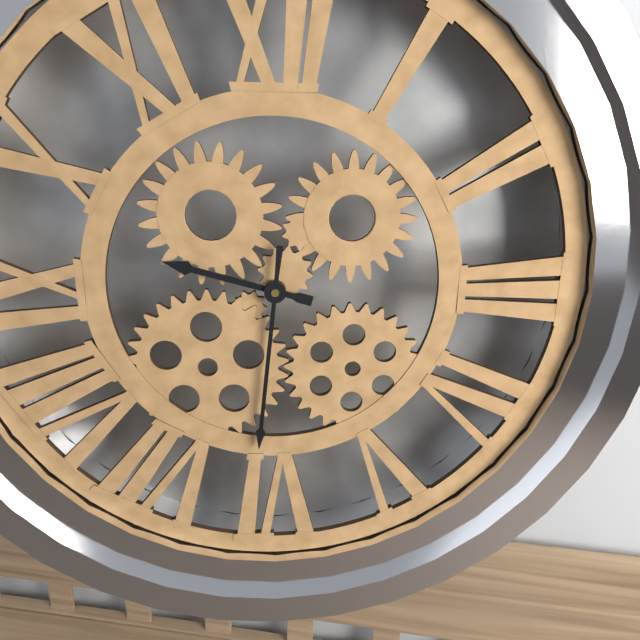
**9:31**
